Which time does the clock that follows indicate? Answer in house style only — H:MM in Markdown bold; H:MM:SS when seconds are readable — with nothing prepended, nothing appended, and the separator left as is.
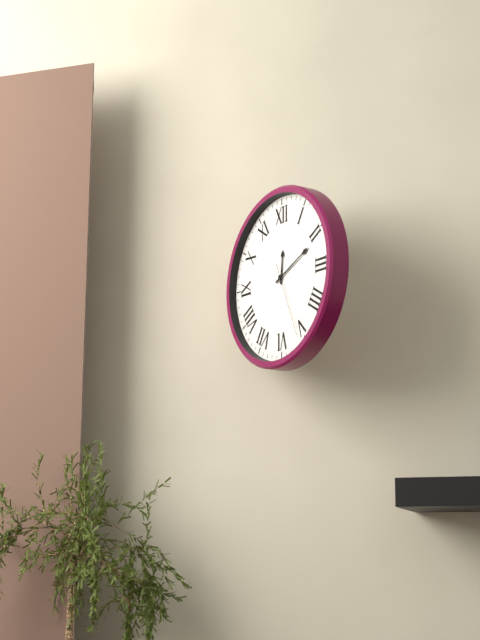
**12:11:26**
